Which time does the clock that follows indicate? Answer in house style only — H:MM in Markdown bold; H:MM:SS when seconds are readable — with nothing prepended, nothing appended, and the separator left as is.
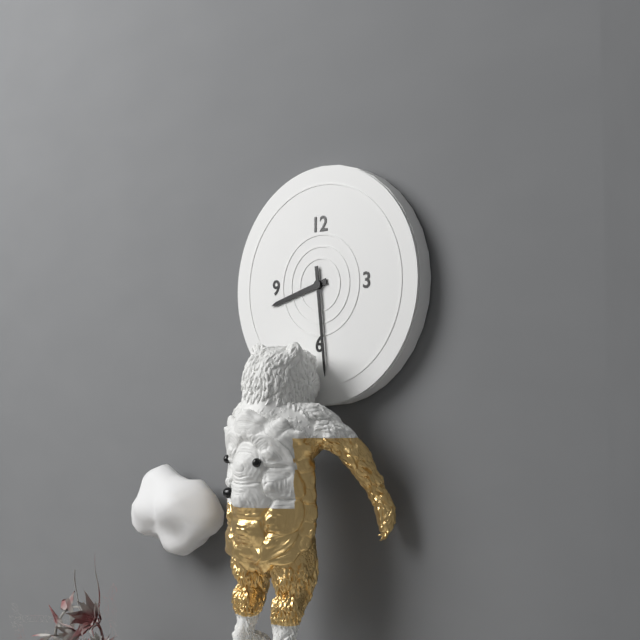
**8:29**
